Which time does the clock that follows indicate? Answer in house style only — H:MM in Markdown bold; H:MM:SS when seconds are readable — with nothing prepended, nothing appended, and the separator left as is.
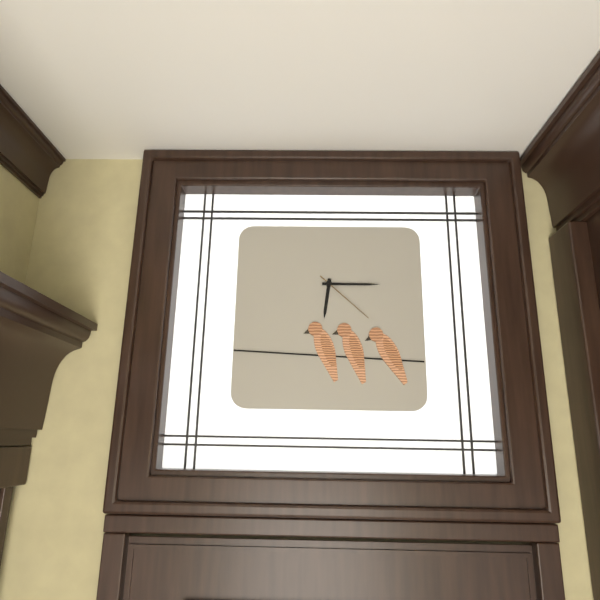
**6:15:22**
